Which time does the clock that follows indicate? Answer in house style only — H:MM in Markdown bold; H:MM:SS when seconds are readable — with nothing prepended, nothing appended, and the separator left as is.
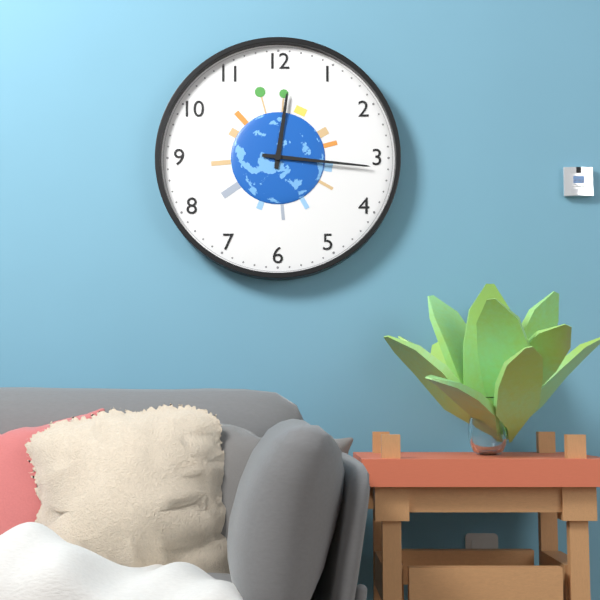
**12:16**
